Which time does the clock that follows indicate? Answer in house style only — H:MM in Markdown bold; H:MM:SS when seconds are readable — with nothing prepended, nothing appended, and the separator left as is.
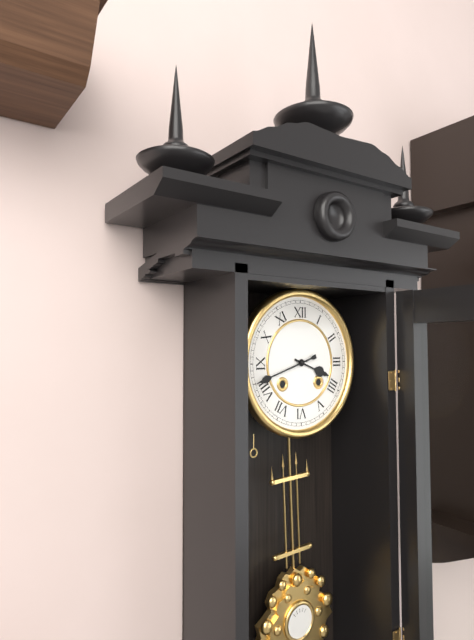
**3:42**
